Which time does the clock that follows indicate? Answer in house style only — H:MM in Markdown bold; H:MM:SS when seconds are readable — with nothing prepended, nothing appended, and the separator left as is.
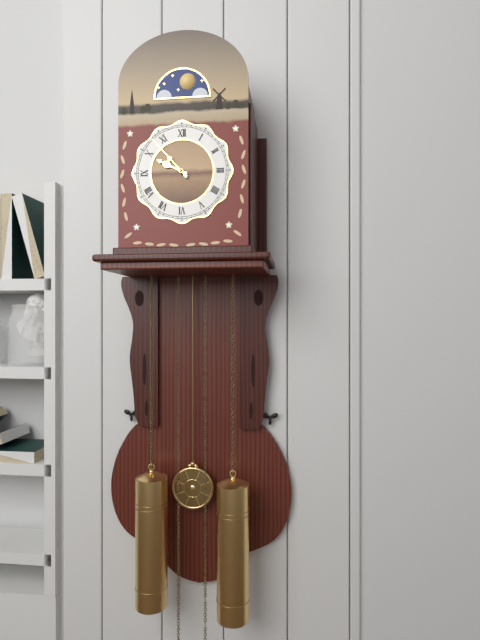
**9:53**
